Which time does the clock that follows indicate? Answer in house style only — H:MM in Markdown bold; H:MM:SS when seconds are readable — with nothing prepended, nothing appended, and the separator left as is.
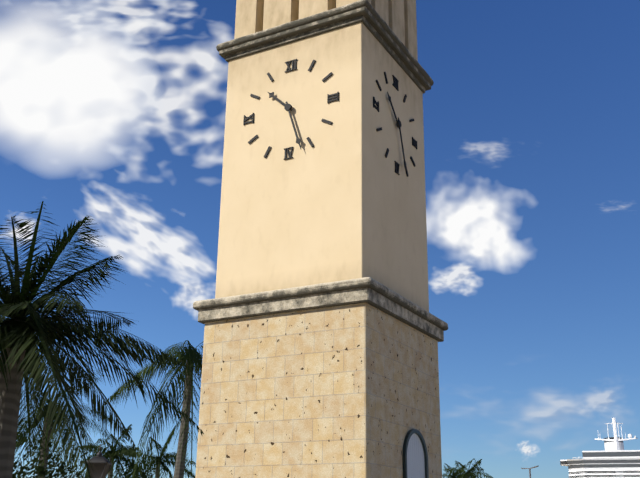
**10:27**
